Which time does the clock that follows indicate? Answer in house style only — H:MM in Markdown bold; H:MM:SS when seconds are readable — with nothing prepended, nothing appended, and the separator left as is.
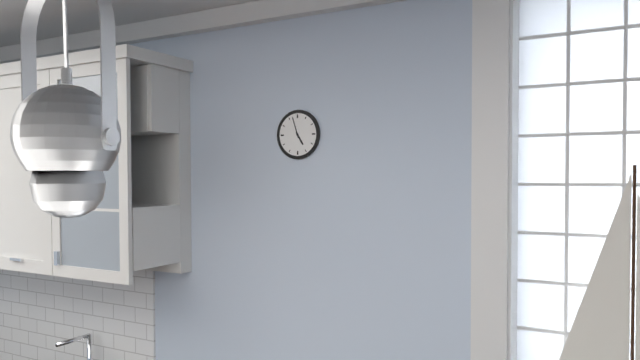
**4:57**
